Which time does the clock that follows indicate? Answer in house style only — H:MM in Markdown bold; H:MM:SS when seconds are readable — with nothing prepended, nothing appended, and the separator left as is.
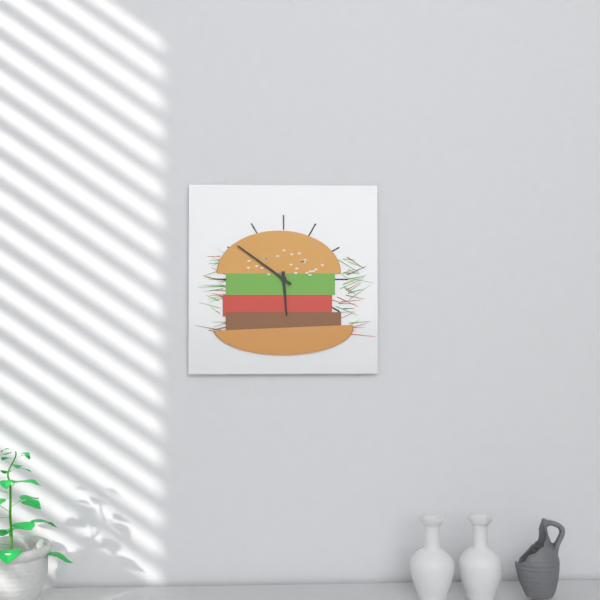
**5:51**
